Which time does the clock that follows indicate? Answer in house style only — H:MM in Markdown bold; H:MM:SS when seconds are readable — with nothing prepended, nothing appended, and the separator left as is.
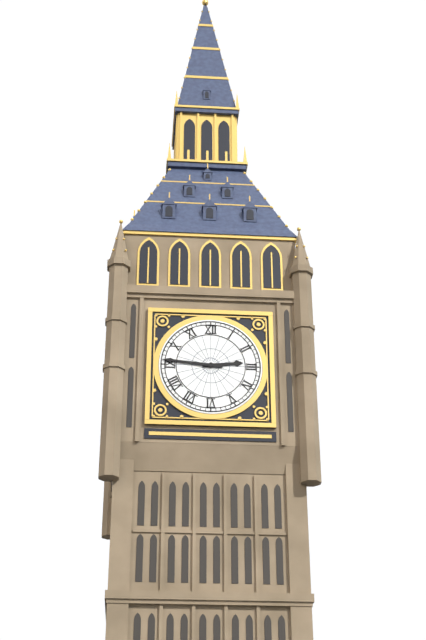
**2:46**
